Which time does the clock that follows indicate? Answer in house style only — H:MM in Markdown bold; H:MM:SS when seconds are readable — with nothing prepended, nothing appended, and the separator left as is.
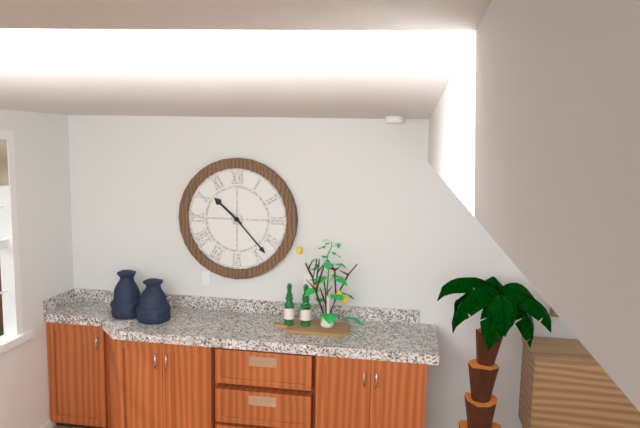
**10:23**
